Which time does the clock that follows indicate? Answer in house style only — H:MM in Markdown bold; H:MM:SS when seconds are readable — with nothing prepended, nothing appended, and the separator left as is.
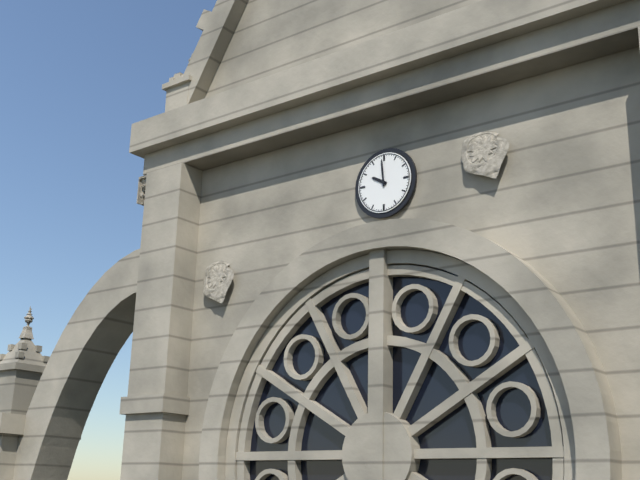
**9:59**
